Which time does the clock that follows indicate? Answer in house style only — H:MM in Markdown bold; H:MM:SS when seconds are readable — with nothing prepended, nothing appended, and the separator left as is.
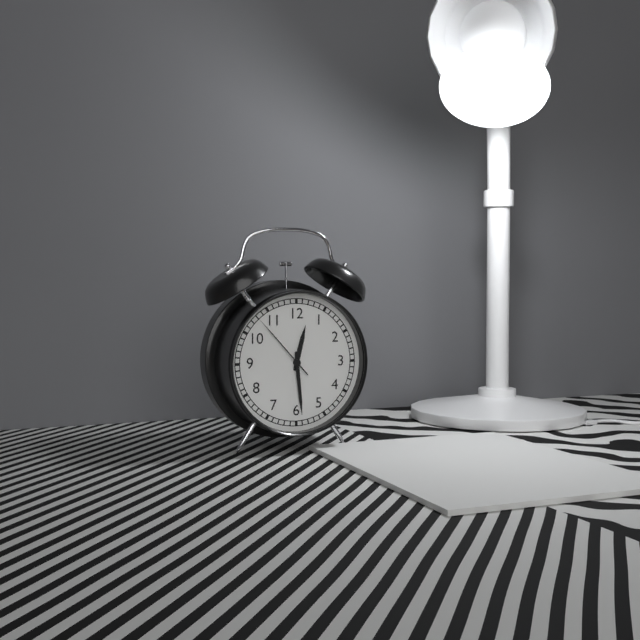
**12:29:53**
